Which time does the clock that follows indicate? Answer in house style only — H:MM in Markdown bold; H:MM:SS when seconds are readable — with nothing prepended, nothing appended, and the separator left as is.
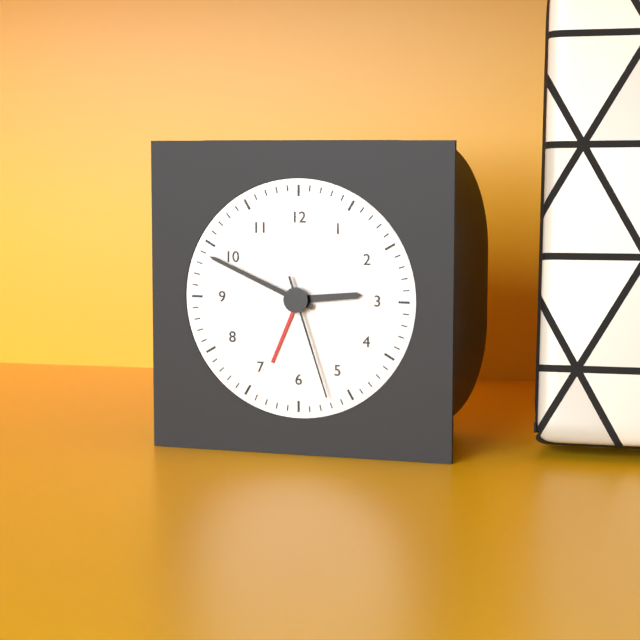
**2:49:27**
